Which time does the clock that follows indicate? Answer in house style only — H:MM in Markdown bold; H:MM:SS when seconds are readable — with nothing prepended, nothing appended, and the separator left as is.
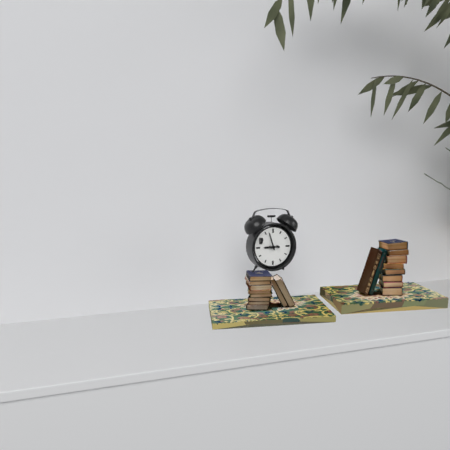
**8:57**
